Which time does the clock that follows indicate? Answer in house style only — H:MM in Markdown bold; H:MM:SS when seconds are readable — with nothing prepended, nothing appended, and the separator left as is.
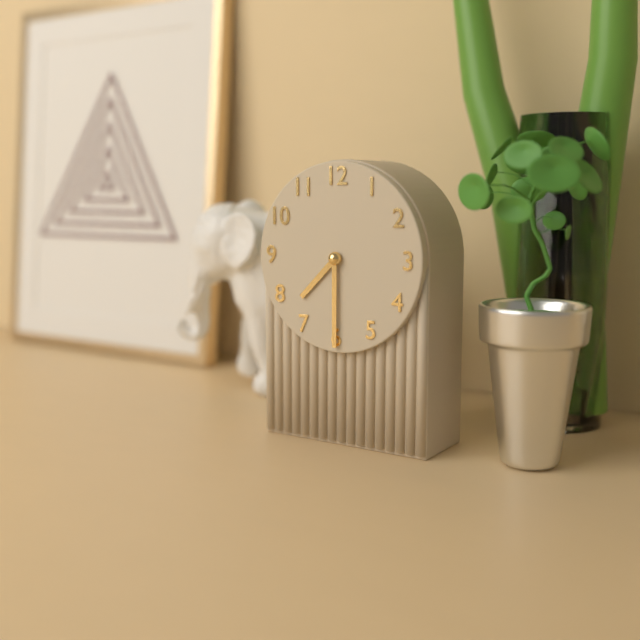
**7:30**
